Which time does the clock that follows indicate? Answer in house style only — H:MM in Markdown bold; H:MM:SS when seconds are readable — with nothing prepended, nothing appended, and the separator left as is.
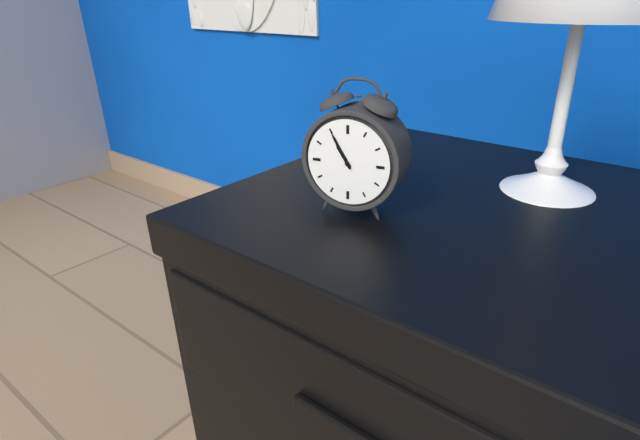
**10:55**
